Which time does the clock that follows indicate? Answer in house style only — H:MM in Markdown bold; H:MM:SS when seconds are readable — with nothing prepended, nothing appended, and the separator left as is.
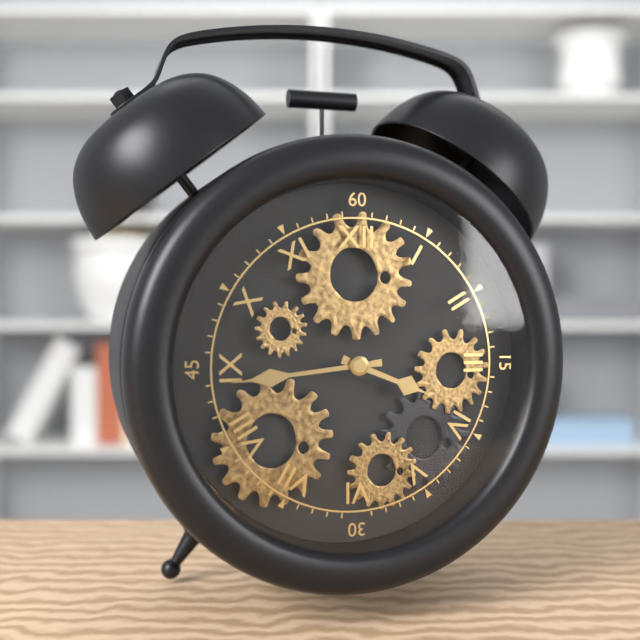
**3:44**
